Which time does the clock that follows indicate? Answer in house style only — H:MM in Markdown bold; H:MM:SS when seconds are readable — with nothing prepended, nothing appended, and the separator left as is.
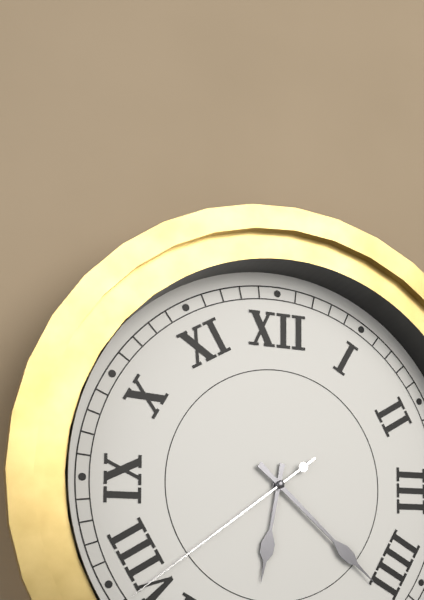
**6:22:39**
